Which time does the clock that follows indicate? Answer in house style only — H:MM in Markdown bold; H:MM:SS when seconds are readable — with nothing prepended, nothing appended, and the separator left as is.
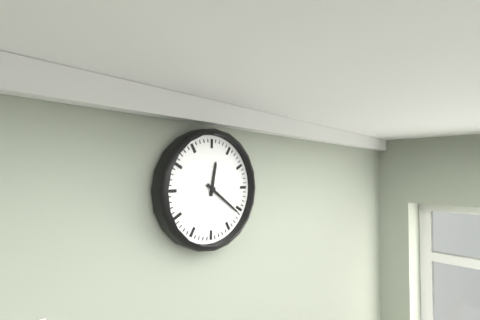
**12:21**
